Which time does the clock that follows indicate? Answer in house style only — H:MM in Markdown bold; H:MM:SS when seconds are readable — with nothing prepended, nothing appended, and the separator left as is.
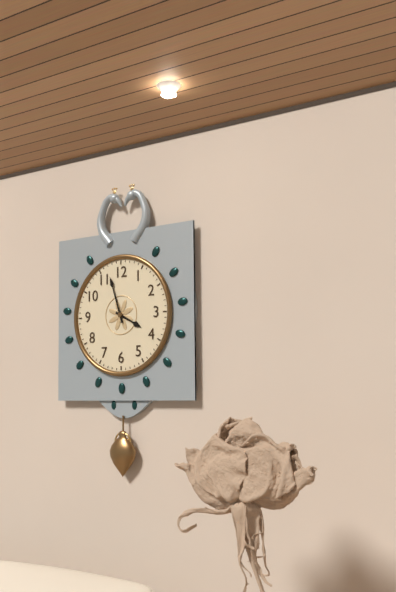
**3:57**
